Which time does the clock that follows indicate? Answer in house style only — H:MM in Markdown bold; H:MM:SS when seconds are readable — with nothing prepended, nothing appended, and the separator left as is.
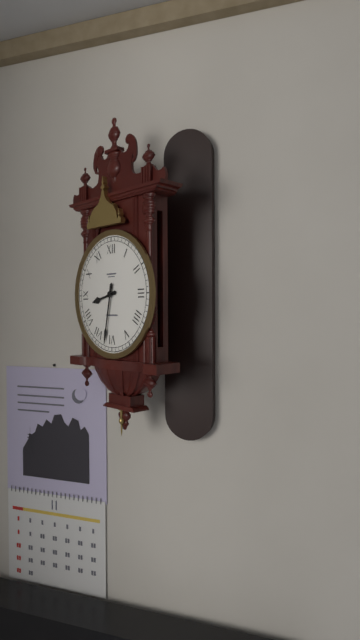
**8:32**
